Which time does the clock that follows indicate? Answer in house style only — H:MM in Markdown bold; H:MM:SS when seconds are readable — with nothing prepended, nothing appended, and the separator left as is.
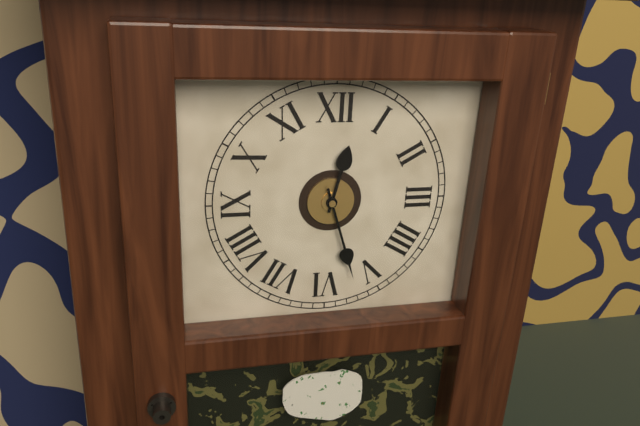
**12:27**
